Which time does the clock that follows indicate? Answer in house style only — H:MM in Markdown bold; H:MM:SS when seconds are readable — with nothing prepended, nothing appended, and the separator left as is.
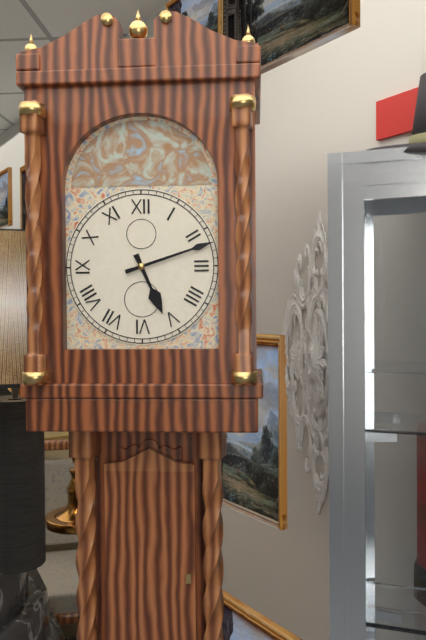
**5:12**
